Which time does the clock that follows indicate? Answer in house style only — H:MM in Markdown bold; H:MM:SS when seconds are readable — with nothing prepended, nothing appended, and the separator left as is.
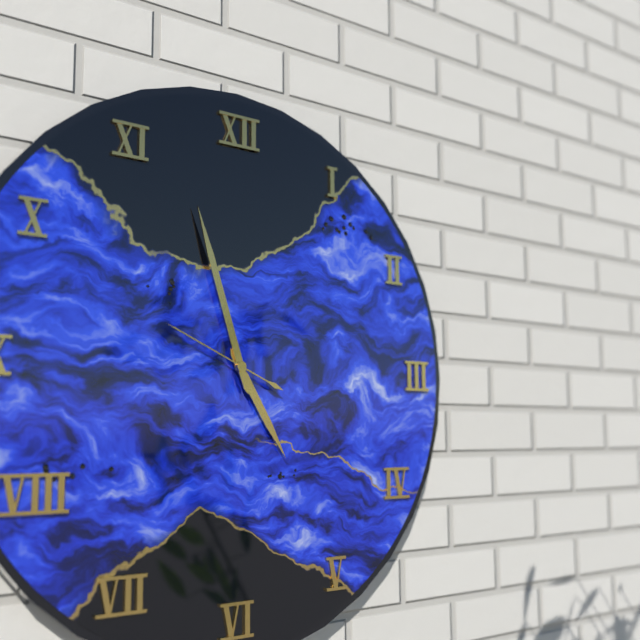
**4:57:49**
